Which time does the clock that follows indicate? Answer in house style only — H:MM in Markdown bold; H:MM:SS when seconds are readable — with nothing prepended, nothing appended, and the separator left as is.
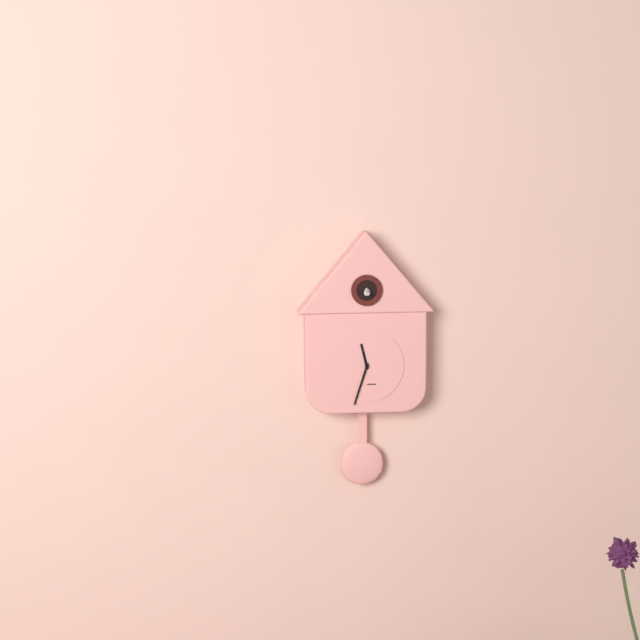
**11:33**
